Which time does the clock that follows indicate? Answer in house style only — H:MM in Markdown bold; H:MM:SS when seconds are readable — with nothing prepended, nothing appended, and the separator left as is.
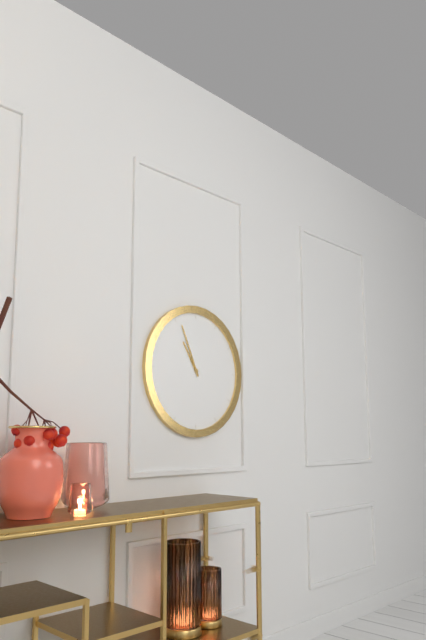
**10:56**
